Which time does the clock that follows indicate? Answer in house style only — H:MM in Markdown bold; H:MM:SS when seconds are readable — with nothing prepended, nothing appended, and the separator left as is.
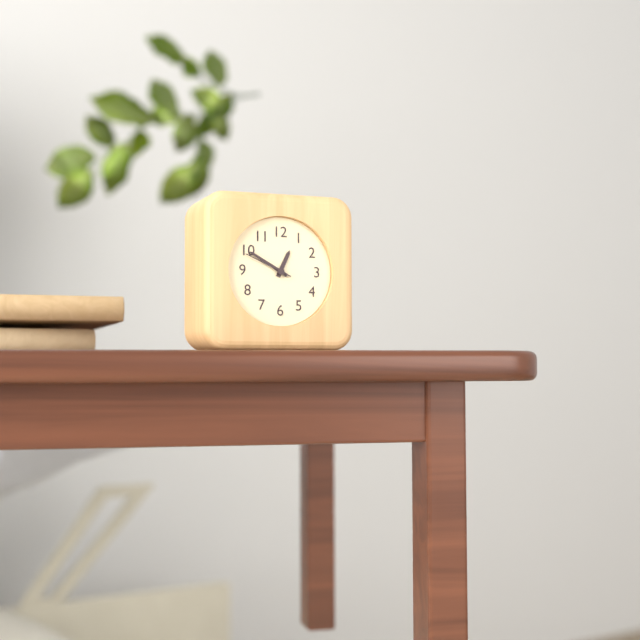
**12:50**
